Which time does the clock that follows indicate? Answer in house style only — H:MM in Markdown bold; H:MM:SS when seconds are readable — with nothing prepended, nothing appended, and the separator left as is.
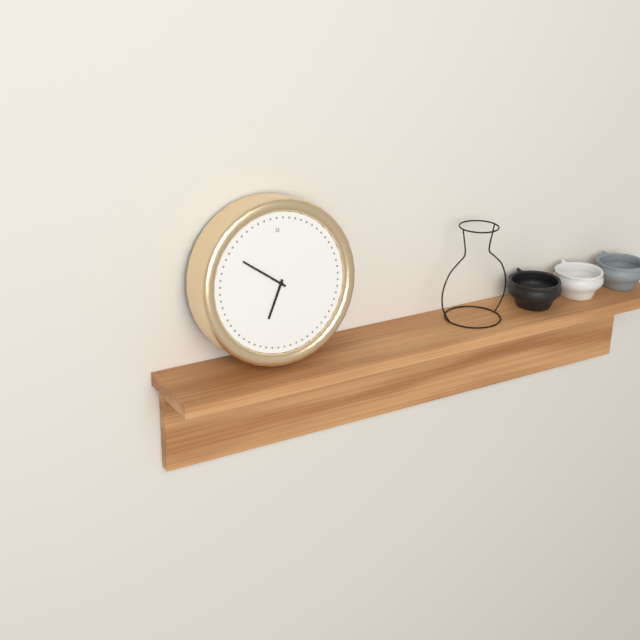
**6:51**
